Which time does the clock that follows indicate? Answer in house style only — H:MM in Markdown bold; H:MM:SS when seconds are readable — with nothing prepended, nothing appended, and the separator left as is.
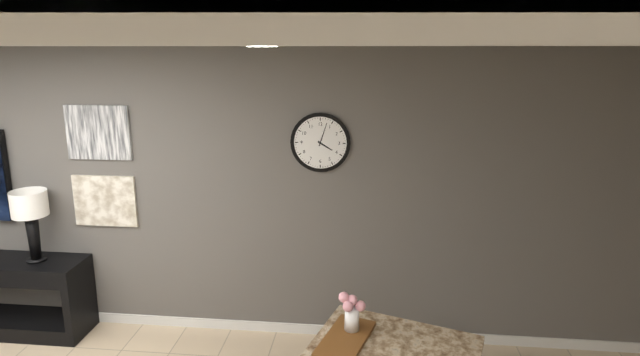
**4:03**
